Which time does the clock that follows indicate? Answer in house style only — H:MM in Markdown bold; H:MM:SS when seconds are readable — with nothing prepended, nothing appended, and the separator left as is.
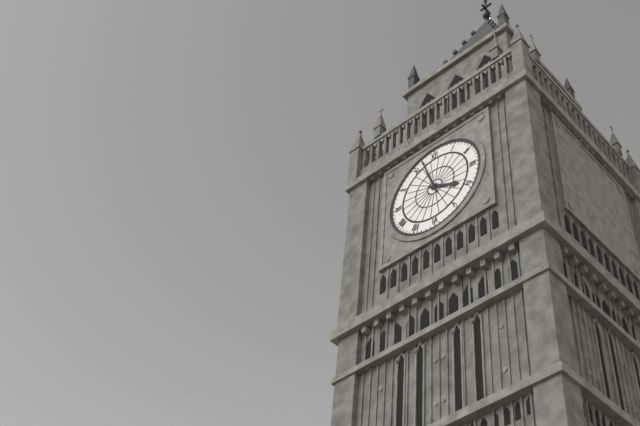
**3:57**
